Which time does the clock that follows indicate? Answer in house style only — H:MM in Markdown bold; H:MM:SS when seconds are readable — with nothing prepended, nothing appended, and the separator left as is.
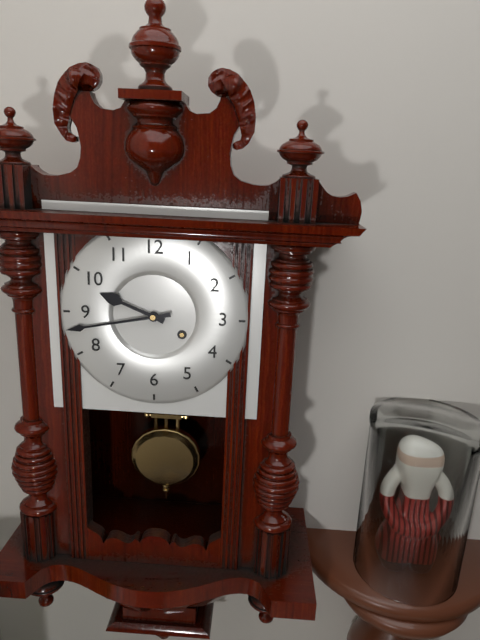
**9:43**
